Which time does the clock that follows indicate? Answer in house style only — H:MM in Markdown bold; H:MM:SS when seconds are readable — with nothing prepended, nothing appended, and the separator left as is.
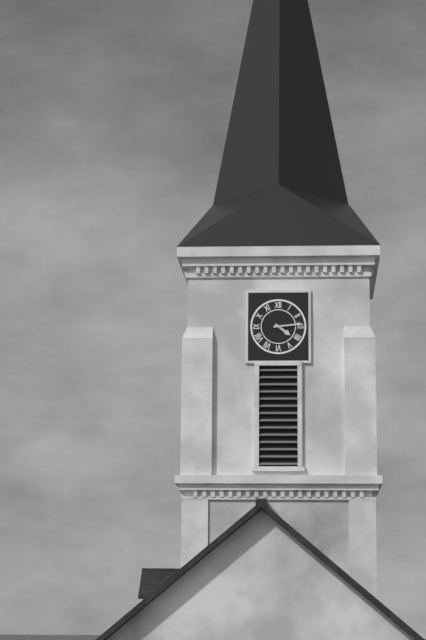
**4:14**
